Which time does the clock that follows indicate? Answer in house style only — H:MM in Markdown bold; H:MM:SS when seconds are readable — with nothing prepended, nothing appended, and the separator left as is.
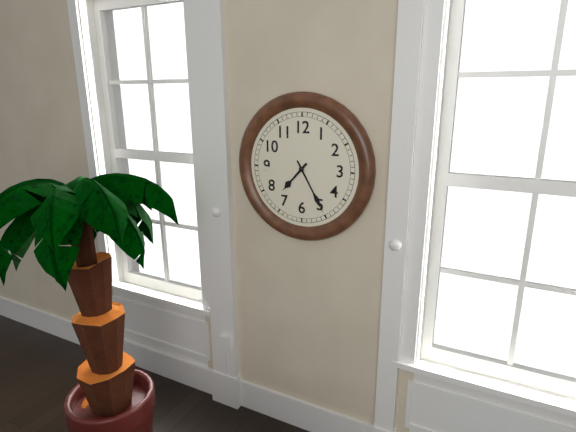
**7:25**
